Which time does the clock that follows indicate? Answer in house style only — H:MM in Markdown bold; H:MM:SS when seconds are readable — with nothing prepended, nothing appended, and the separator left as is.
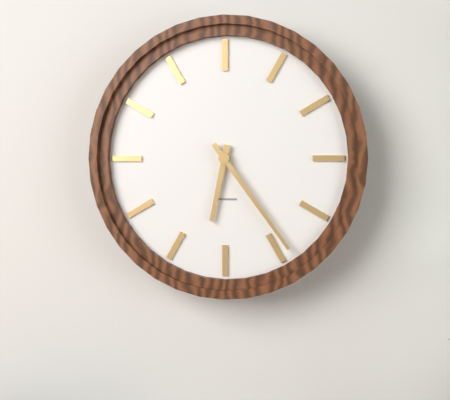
**6:24**
